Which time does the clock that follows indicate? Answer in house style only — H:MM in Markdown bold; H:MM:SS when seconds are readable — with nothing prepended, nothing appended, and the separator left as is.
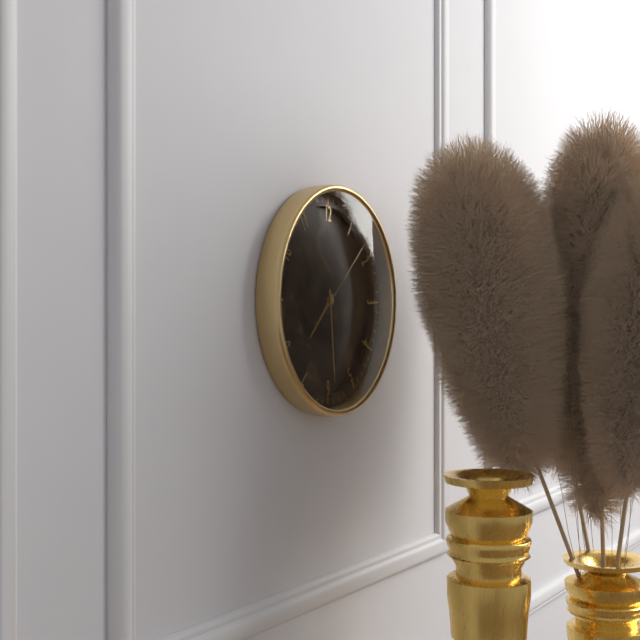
**7:29:08**
